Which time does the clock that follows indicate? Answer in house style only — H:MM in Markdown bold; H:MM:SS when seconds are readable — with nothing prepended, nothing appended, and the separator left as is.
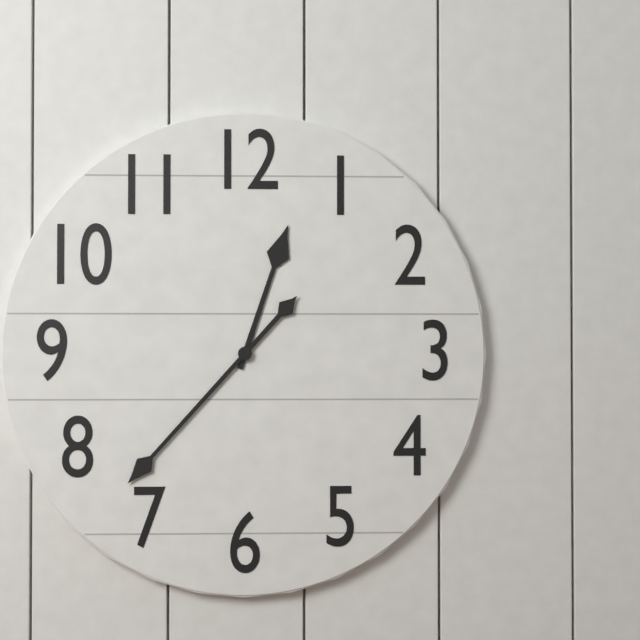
**12:37**
